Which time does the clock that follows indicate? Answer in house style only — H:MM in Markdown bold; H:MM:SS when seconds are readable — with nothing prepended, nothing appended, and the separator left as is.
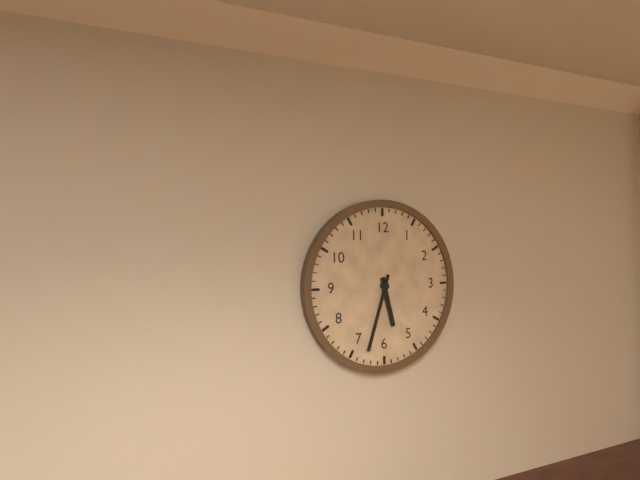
**5:33**
